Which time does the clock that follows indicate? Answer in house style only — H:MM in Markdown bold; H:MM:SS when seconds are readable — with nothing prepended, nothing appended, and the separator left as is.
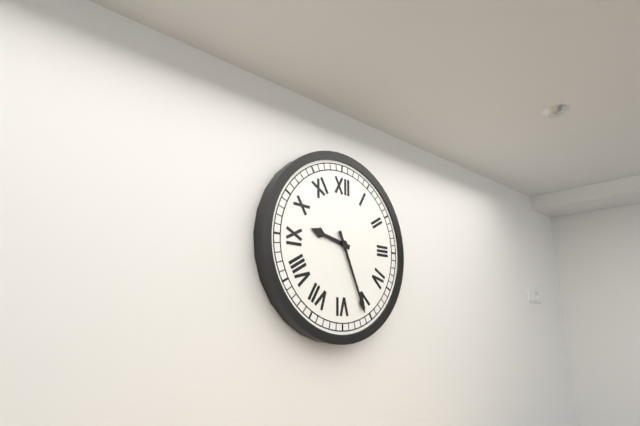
**9:26**
